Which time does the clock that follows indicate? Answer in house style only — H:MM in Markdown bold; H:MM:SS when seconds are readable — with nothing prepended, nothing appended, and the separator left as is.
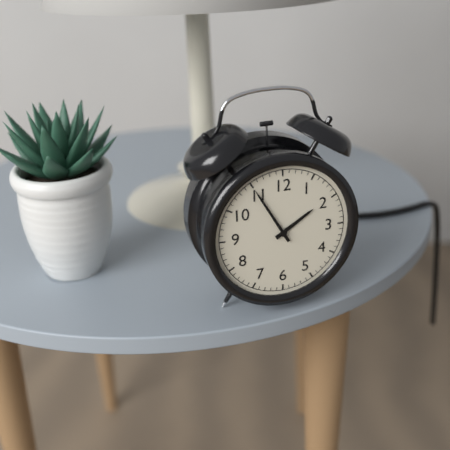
**1:55**
